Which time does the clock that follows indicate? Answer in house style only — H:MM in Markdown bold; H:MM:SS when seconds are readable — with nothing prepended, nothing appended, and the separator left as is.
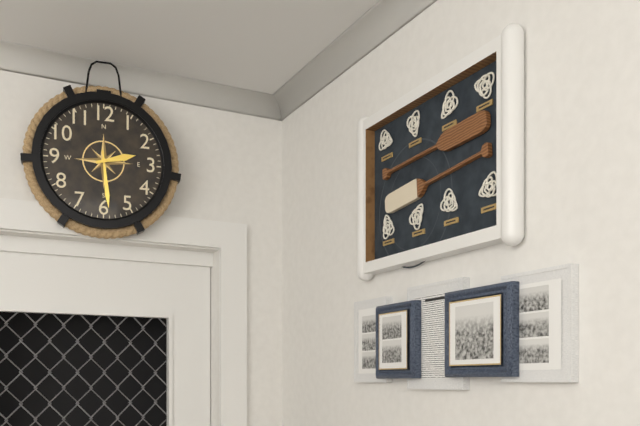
**2:29**
